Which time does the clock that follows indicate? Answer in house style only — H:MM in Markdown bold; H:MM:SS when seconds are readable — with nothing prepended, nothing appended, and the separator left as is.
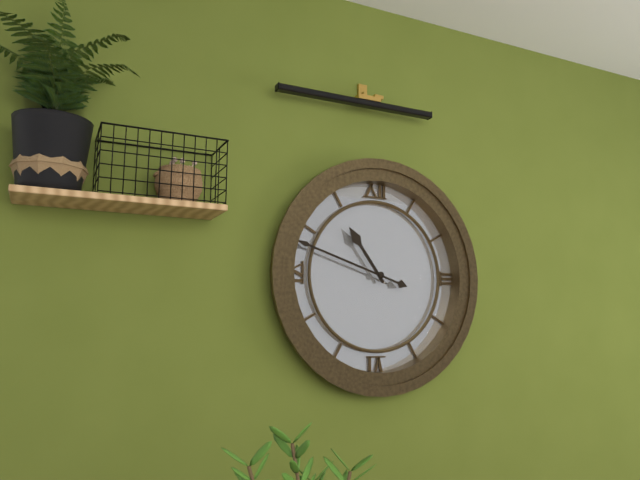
**10:48**
